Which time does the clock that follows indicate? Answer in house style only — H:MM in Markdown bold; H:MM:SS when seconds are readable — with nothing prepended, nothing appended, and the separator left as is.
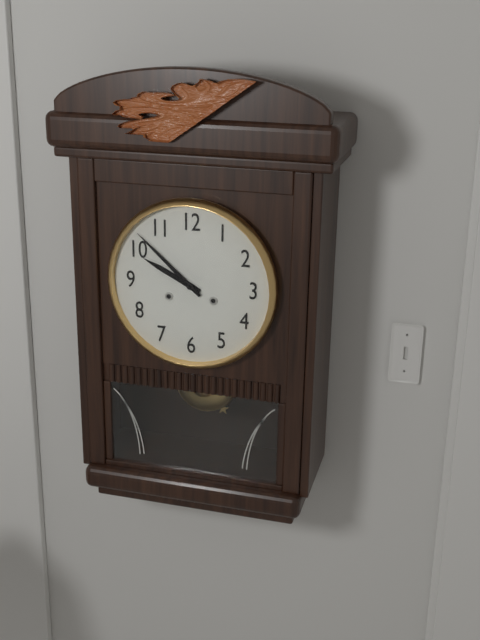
**9:52**
